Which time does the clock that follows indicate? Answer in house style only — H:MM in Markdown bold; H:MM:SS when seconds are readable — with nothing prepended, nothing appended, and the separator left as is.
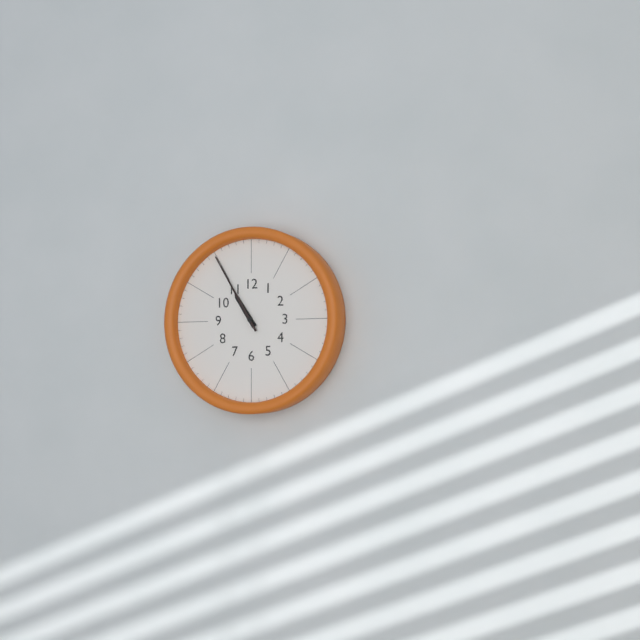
**10:55**
